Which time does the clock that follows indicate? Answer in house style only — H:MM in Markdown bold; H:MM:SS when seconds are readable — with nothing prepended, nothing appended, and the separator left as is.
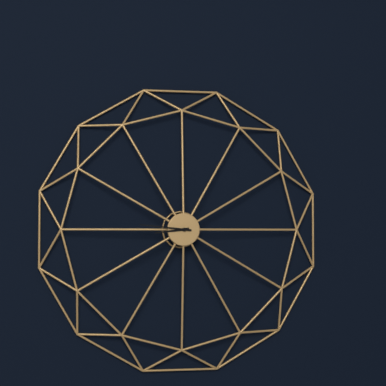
**8:46**
